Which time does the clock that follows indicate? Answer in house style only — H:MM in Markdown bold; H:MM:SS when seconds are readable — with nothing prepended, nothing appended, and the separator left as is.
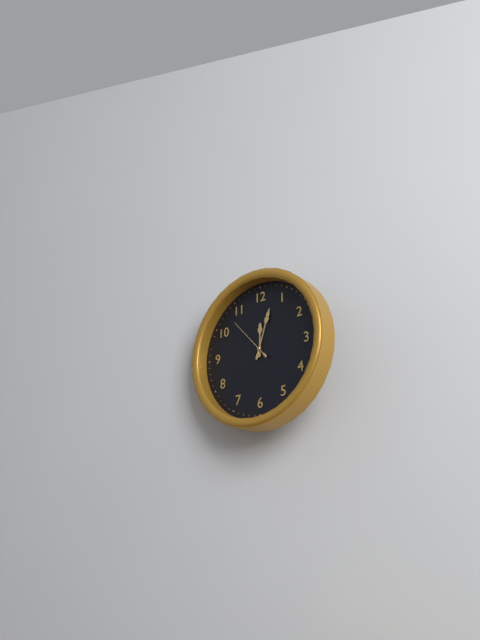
**12:03**
